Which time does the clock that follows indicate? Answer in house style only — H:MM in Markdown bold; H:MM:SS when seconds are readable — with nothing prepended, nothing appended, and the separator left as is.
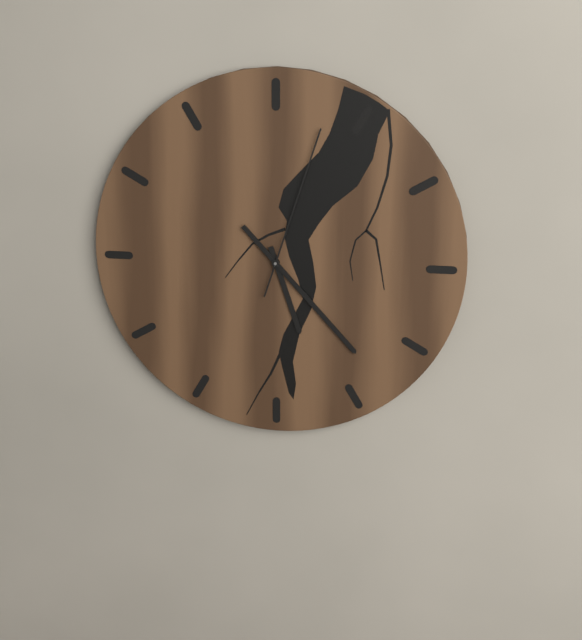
**5:23:03**
